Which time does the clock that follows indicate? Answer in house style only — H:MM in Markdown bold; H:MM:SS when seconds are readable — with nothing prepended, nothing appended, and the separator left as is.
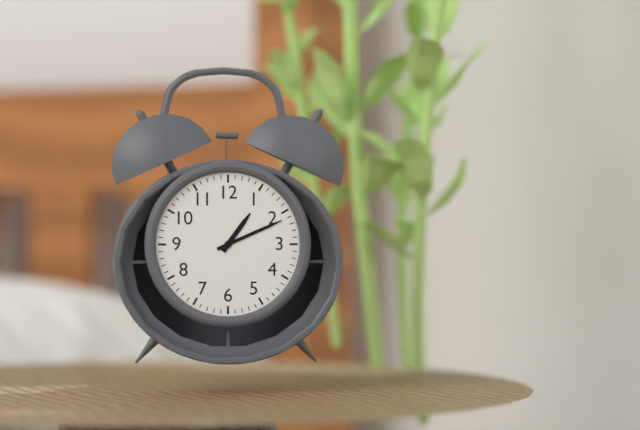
**1:11**
